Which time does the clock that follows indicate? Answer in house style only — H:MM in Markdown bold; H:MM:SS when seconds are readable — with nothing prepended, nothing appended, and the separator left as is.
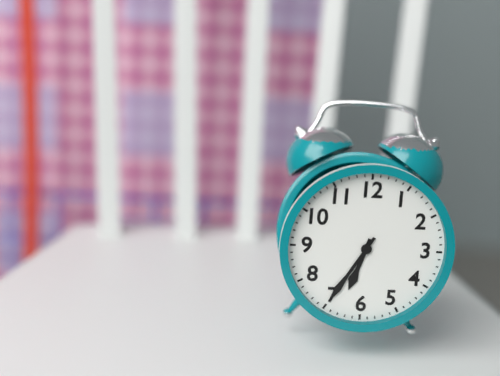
**6:35**
